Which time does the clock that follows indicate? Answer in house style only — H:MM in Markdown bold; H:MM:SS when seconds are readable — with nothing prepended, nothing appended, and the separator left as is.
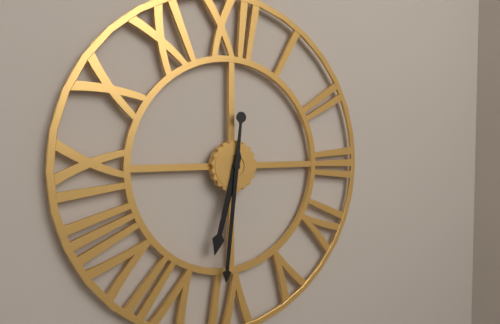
**6:31**
